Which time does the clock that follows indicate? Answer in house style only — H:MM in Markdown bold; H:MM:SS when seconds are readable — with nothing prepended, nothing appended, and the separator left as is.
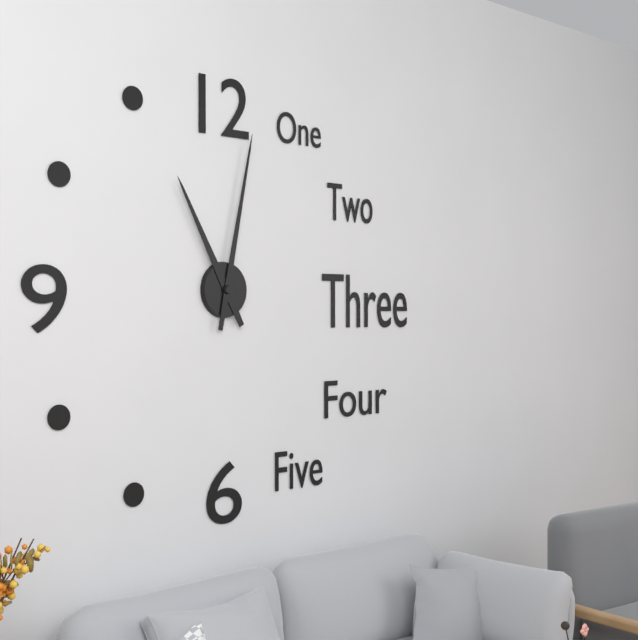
**11:02**
